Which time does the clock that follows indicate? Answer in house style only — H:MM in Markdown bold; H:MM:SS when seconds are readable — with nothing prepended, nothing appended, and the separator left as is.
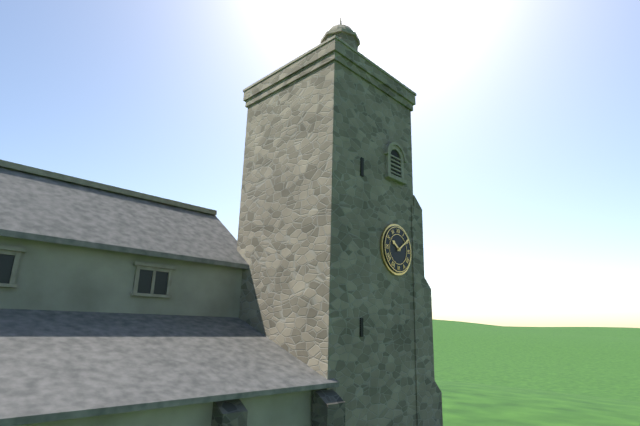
**10:09**
